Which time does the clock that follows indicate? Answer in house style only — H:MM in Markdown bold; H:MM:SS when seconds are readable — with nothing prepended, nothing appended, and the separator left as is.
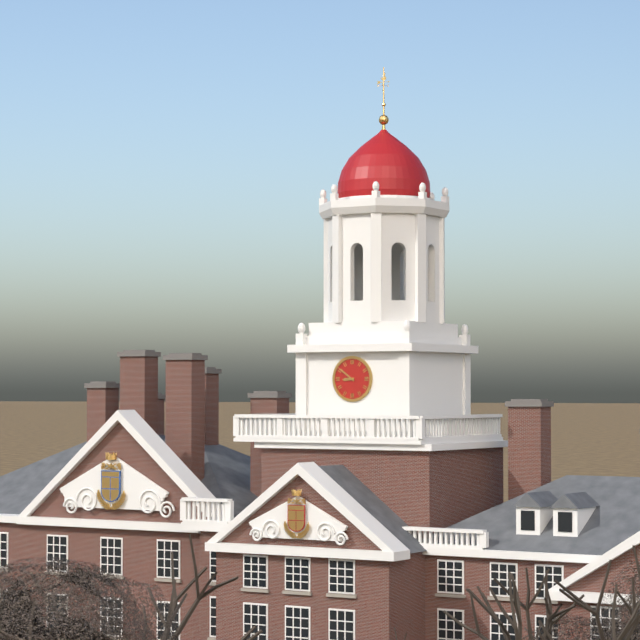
**8:51**
